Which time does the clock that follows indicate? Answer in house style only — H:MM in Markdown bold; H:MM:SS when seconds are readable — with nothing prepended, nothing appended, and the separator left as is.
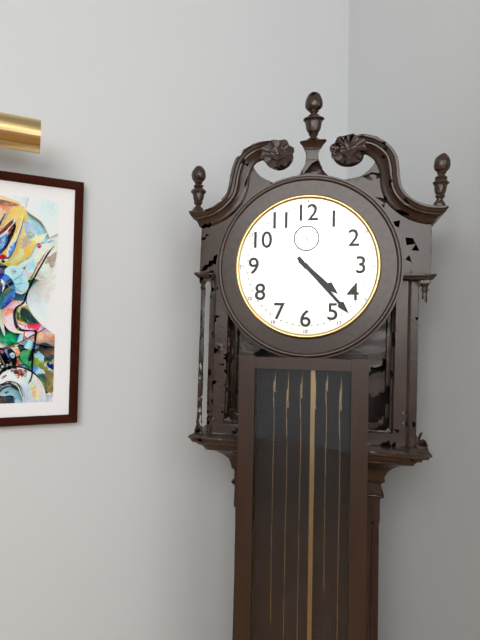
**4:23**
